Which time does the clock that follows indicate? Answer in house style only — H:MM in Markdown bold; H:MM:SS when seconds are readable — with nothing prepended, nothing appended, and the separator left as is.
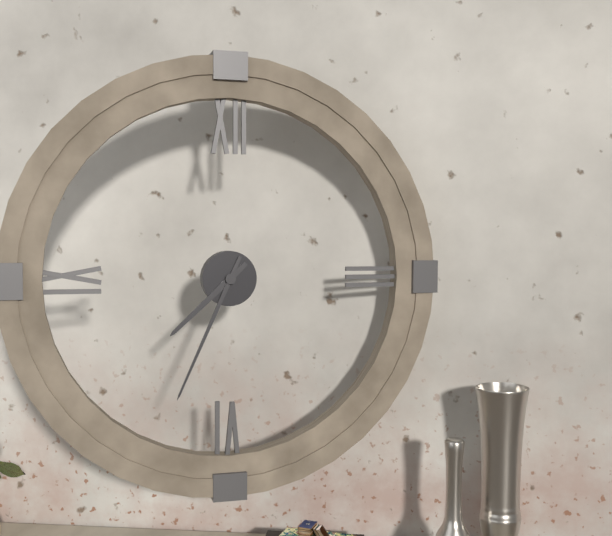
**7:34**
